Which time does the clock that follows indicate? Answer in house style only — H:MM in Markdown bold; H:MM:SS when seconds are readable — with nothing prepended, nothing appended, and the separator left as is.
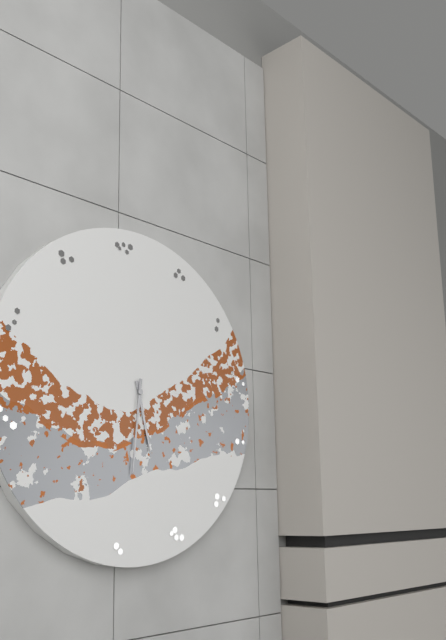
**5:31**
